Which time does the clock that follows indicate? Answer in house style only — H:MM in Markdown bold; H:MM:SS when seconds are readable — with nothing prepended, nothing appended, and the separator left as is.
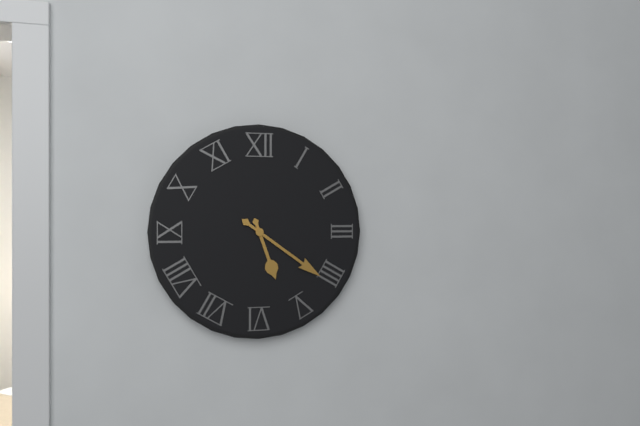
**5:21**
